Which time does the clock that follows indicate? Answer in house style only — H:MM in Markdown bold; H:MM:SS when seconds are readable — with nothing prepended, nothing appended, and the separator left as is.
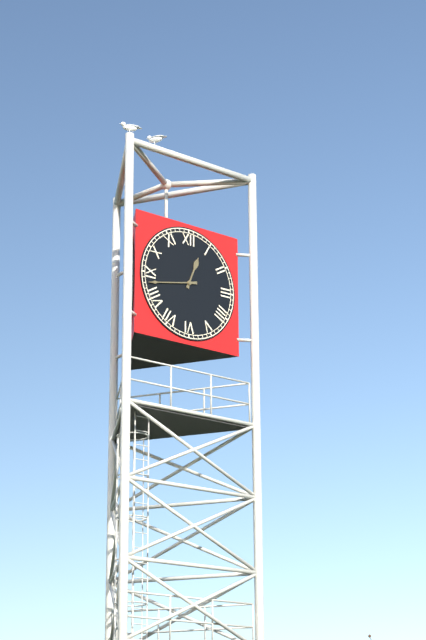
**12:43**
